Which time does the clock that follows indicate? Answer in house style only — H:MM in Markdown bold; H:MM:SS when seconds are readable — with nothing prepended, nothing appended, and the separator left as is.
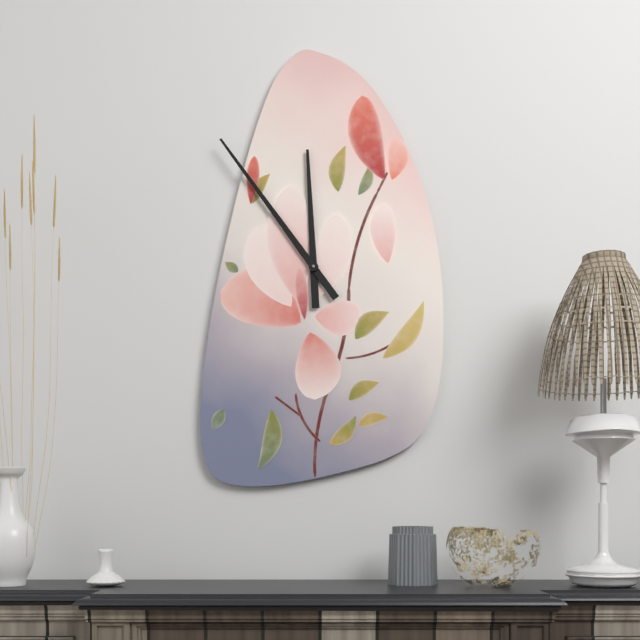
**11:54**
